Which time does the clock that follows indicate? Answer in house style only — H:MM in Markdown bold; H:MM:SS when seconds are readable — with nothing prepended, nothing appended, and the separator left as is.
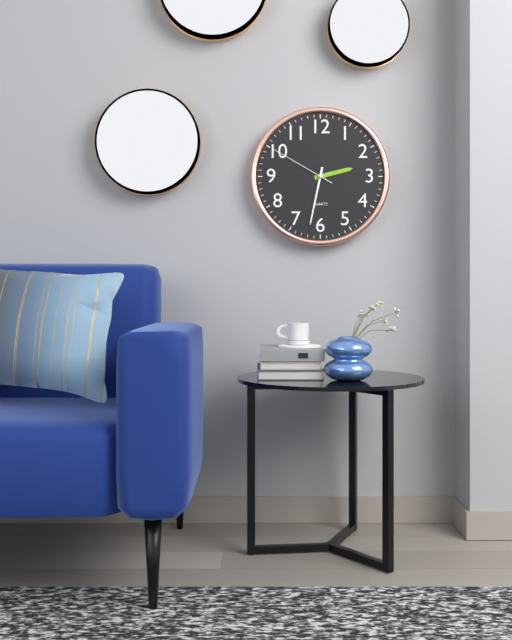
**2:32:50**
